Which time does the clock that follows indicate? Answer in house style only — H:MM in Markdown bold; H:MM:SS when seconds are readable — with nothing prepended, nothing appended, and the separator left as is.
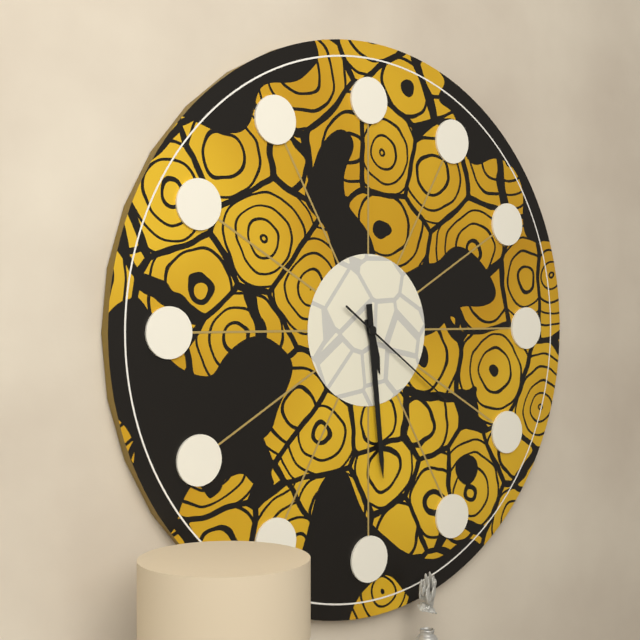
**5:29:21**
